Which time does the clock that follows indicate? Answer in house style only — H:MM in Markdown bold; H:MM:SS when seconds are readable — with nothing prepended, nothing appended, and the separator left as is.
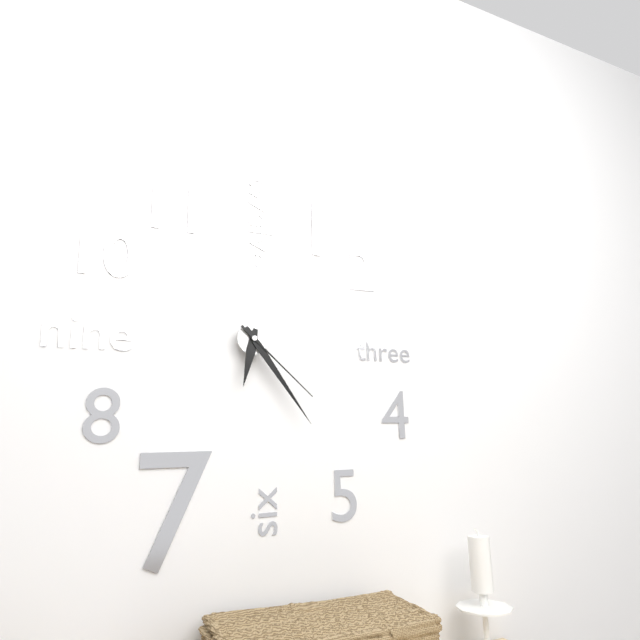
**6:24:22**
